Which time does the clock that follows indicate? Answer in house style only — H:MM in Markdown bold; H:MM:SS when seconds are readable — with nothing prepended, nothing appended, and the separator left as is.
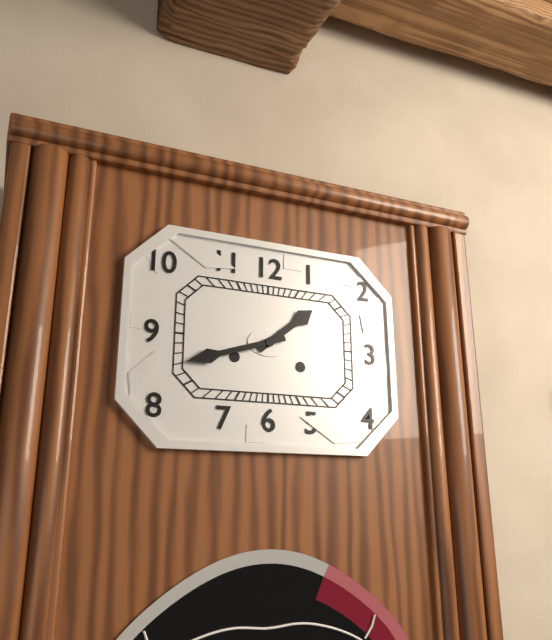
**1:42**
